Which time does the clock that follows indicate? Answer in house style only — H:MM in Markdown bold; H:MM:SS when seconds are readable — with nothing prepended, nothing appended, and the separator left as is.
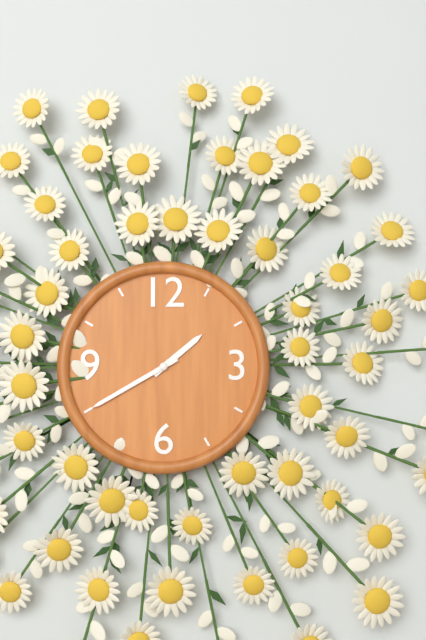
**1:40**
